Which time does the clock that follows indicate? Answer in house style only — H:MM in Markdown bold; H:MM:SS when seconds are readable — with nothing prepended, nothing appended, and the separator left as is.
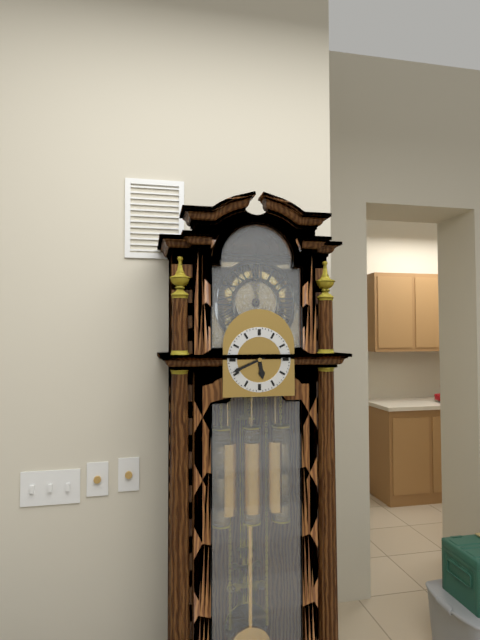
**5:41**
